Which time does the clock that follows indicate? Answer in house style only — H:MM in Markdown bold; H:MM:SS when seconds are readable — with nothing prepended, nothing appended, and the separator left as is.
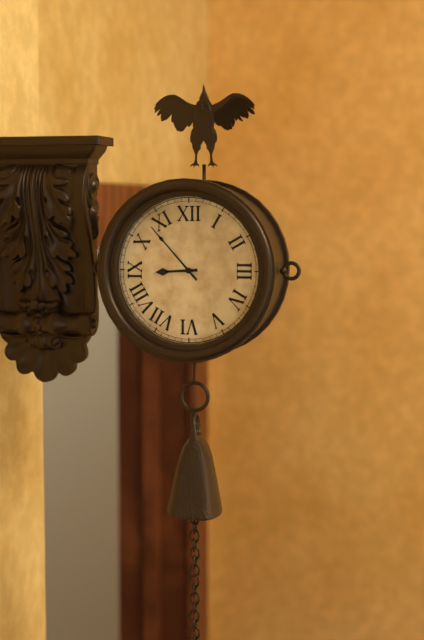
**8:53**
